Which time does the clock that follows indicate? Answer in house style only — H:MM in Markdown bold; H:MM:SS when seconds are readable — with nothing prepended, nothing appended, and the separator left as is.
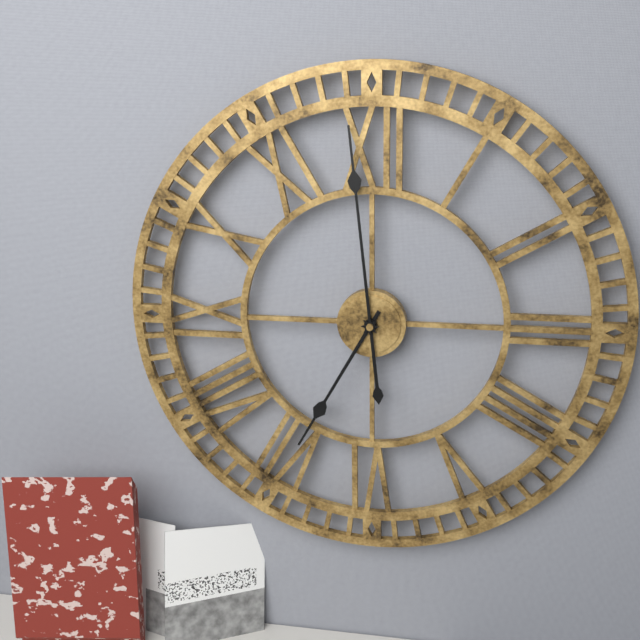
**6:59**
